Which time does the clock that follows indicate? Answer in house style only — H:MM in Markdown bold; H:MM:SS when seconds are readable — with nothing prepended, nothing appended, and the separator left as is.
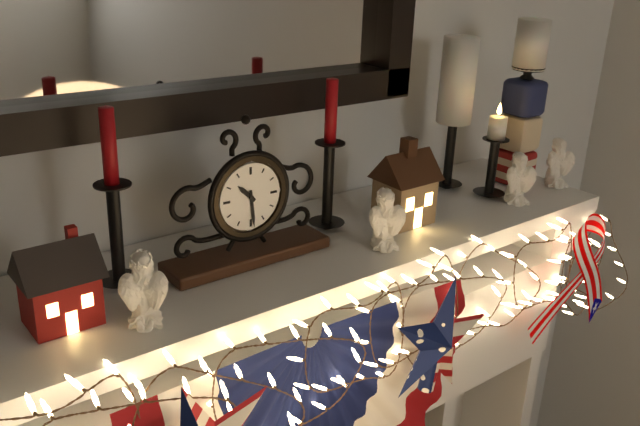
**10:29**
